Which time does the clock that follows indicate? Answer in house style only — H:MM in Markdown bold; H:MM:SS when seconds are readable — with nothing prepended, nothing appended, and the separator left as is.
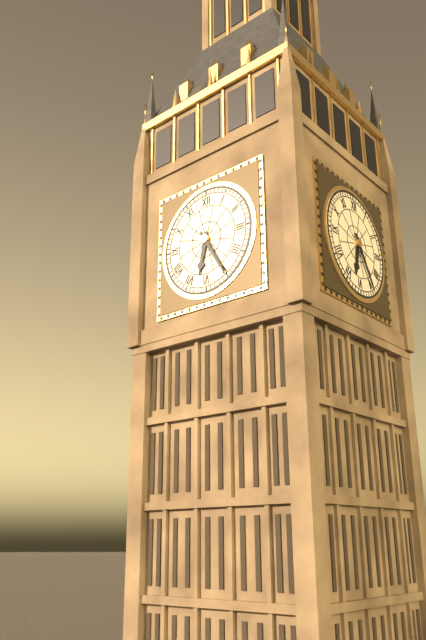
**6:25**
